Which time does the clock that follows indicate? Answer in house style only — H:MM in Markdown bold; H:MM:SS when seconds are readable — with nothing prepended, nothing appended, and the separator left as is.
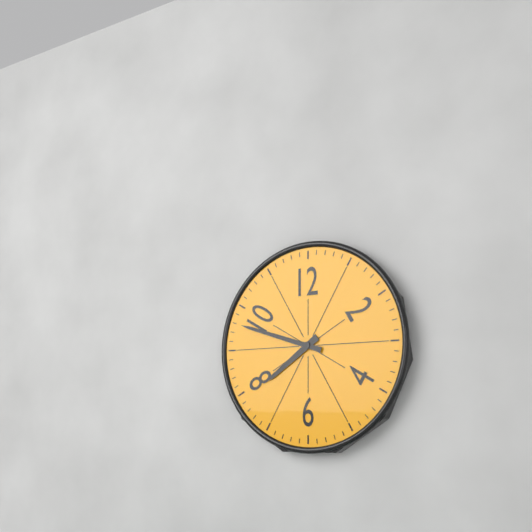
**7:48**
